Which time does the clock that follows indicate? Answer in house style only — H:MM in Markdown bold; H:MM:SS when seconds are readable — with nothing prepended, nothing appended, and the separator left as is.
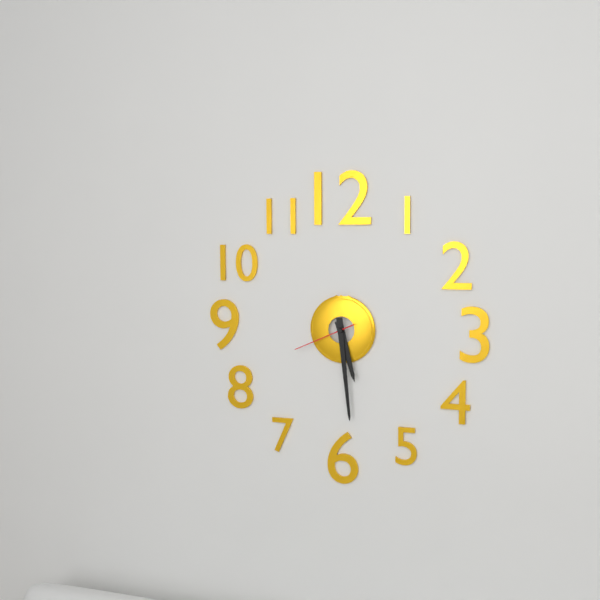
**5:29:41**
